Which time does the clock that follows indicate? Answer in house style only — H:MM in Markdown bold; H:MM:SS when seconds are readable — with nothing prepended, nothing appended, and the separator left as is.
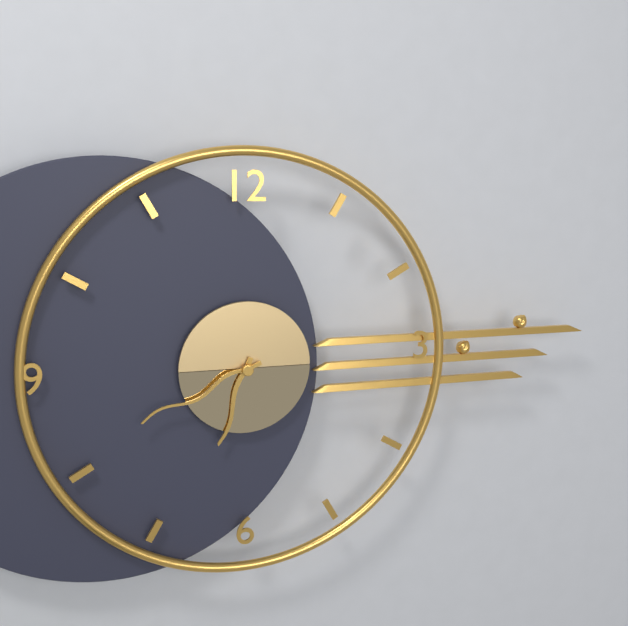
**6:41**
